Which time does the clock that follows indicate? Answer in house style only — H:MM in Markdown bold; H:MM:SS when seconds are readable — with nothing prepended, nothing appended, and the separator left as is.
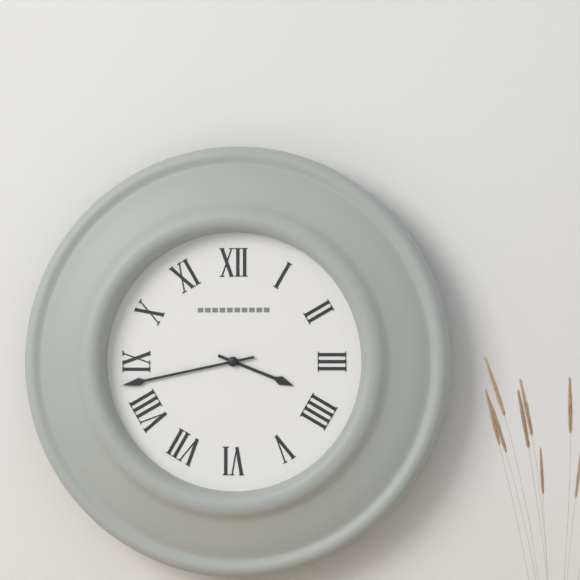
**3:43**
